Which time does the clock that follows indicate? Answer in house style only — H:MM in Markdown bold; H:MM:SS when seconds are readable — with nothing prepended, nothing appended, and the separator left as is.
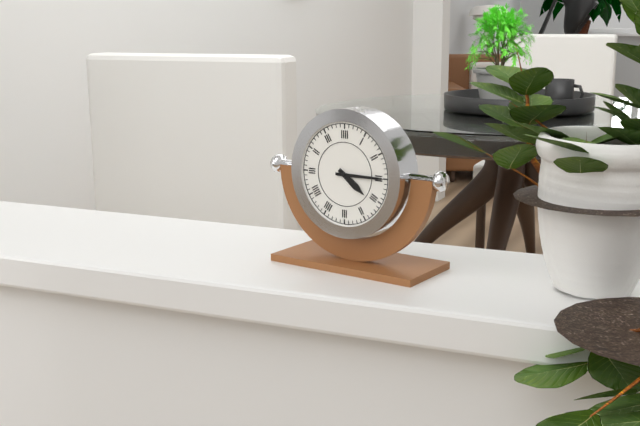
**4:15**
